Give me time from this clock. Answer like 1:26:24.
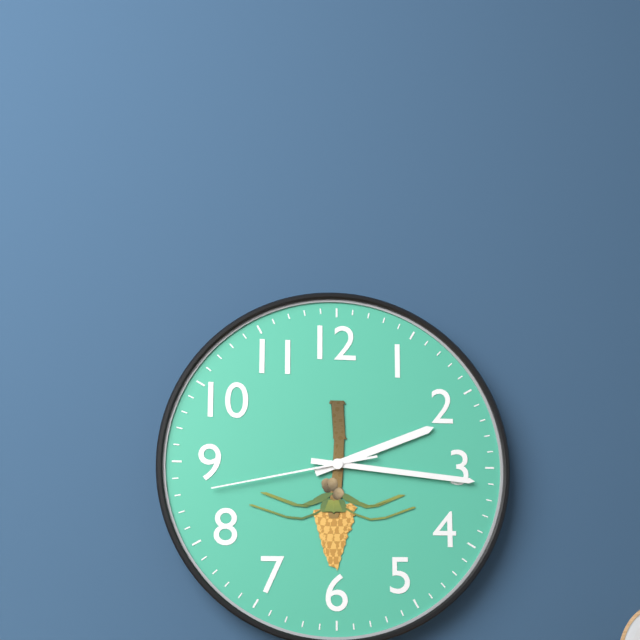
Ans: 2:16:43
